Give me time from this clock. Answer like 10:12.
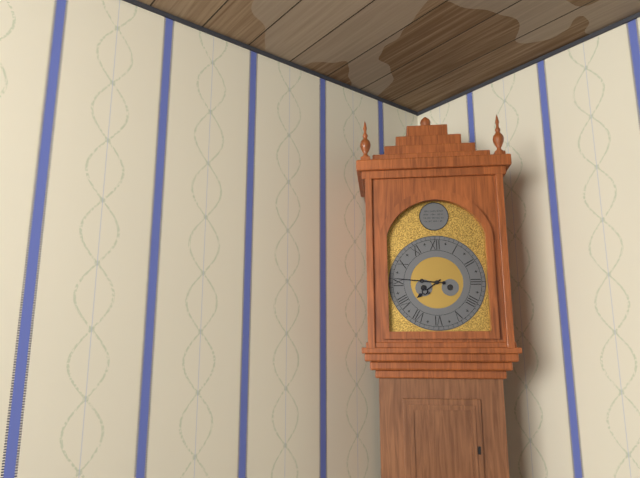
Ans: 7:46
